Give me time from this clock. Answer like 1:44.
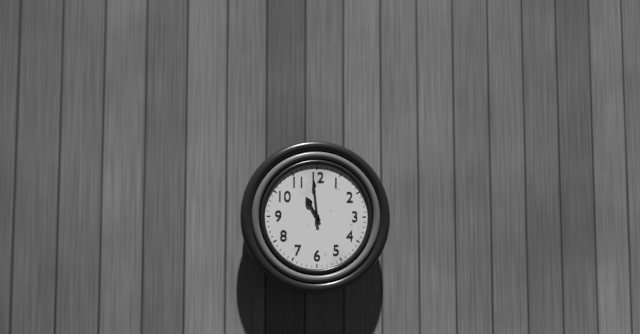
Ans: 10:59
